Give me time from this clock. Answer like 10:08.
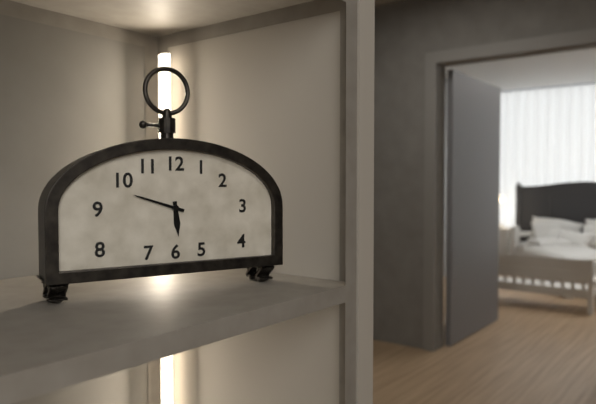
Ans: 5:48
